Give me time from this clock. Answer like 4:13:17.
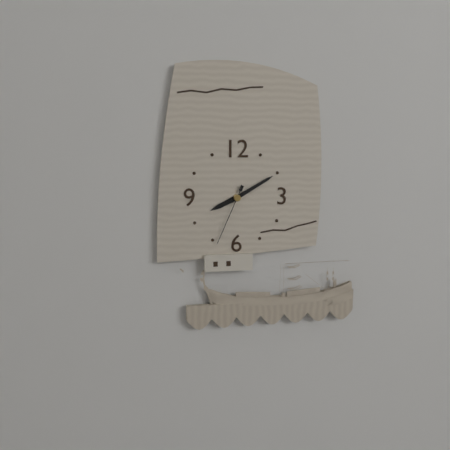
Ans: 8:10:34
